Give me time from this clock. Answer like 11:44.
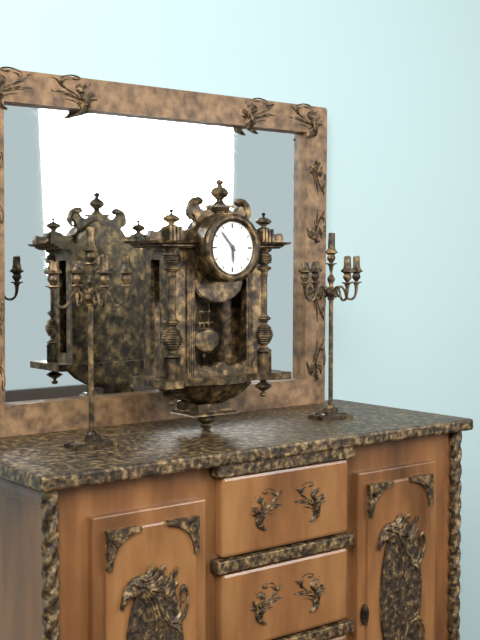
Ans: 5:53
